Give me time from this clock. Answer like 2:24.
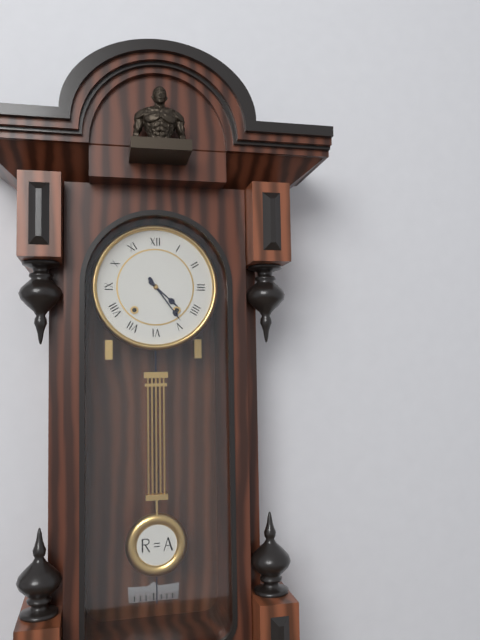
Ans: 4:24
